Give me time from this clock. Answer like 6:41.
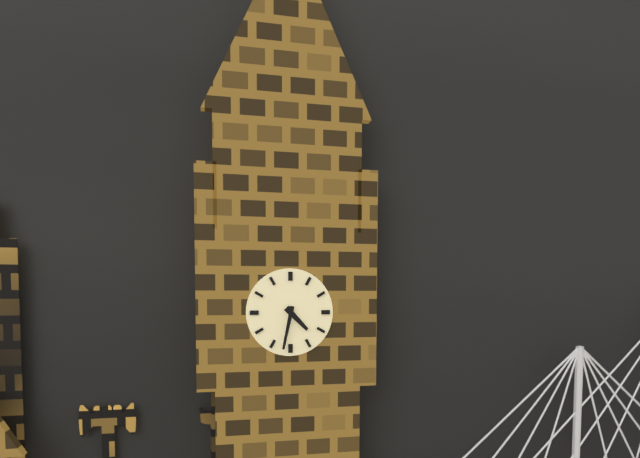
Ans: 4:32
